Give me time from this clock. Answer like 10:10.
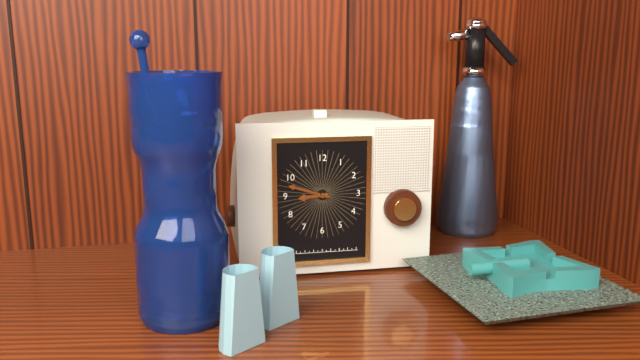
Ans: 8:48
